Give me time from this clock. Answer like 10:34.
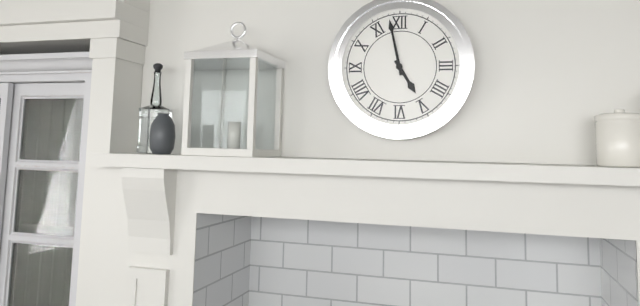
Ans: 4:58
